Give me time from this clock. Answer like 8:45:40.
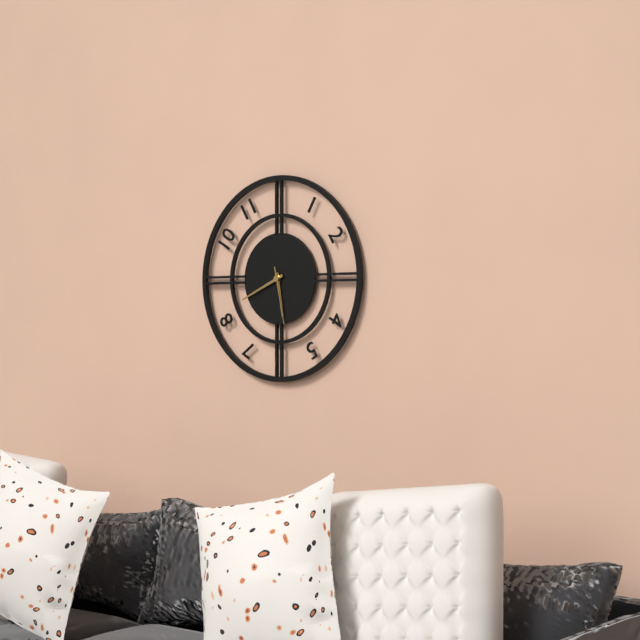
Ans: 5:41:28
